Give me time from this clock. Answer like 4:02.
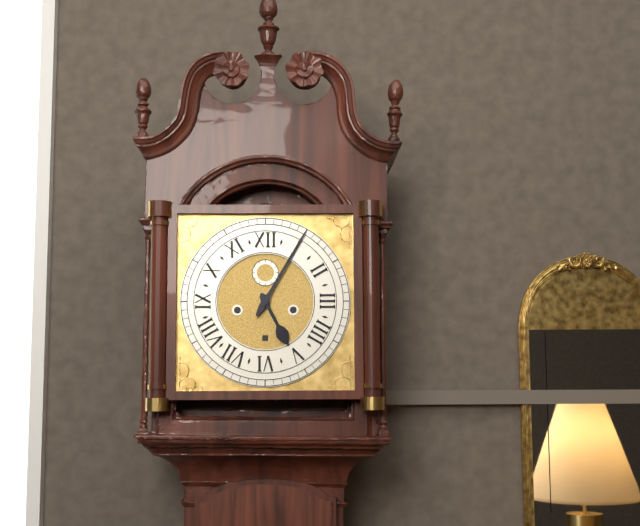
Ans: 5:05
